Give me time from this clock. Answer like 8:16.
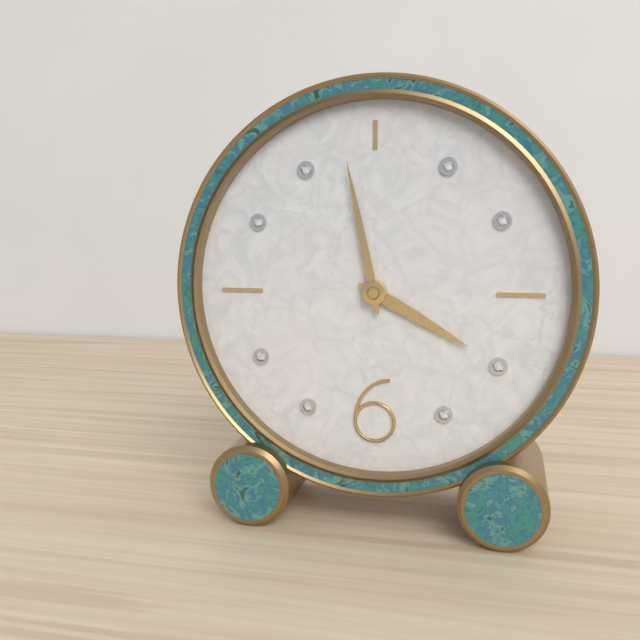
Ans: 3:58
